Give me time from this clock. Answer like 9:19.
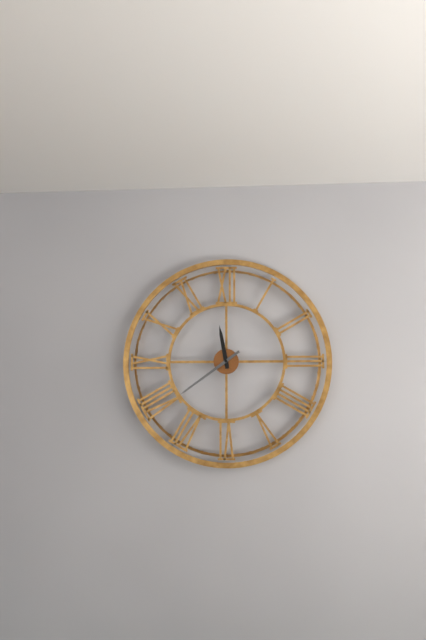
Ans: 11:39
